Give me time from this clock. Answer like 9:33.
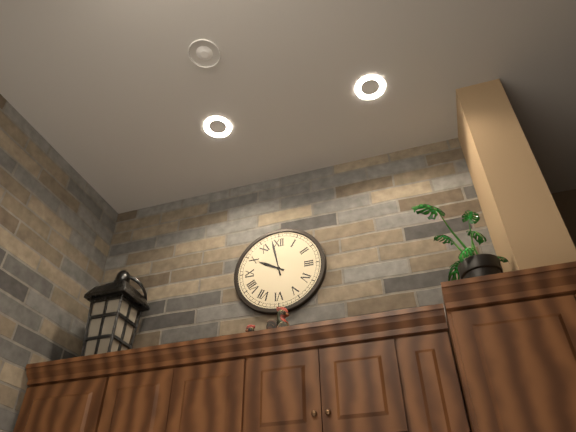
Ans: 9:58
